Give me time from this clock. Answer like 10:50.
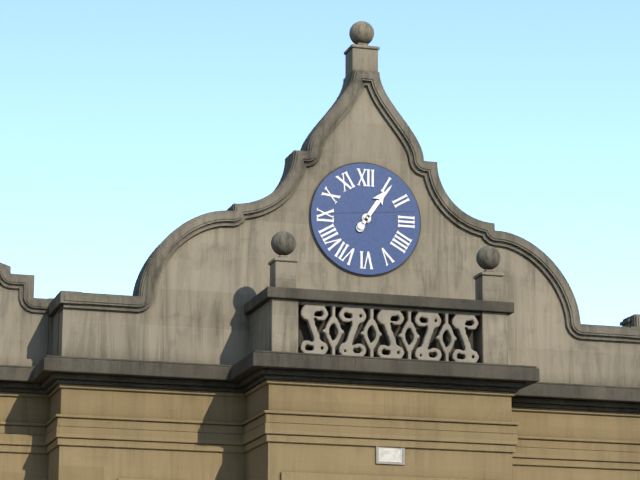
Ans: 1:06
